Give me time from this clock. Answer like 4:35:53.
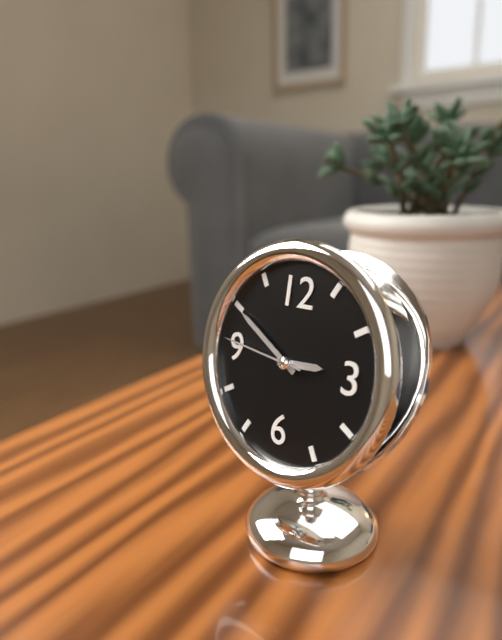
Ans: 2:50:46
